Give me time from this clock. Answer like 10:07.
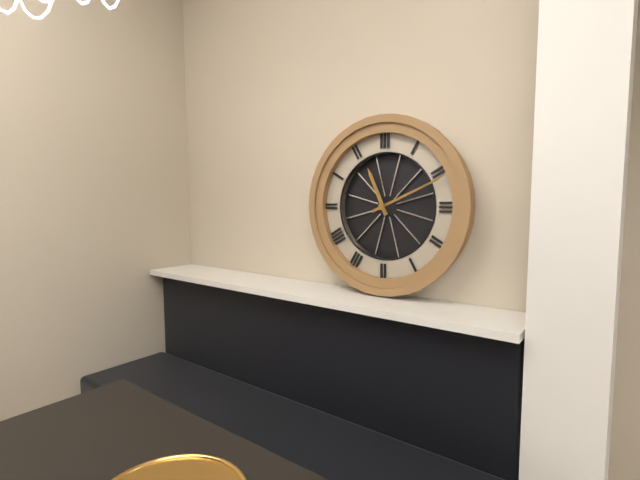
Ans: 11:11
